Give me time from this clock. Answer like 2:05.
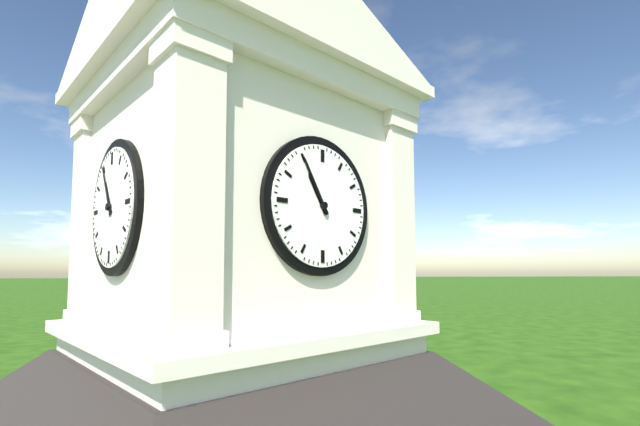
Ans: 10:55
